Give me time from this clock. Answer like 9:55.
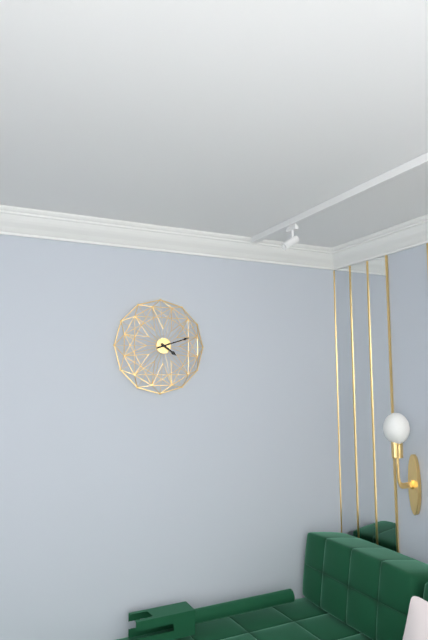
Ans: 4:12
